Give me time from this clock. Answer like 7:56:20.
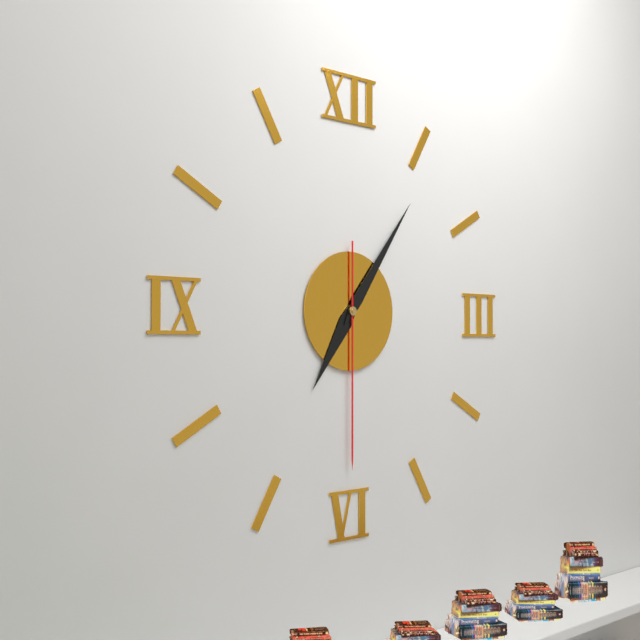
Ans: 7:06:30
